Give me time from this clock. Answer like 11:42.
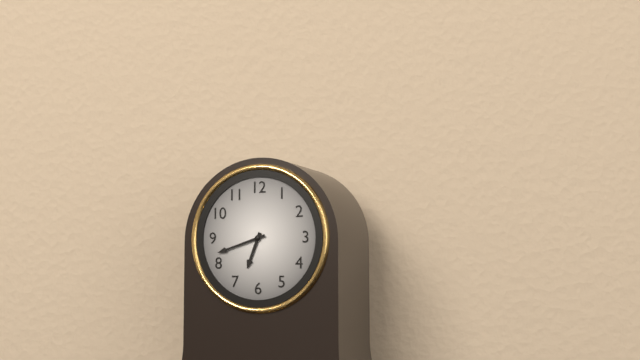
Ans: 6:42
